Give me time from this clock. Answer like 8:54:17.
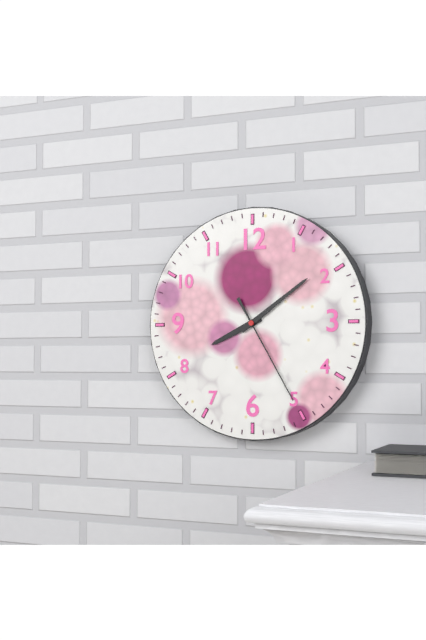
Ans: 8:09:25
